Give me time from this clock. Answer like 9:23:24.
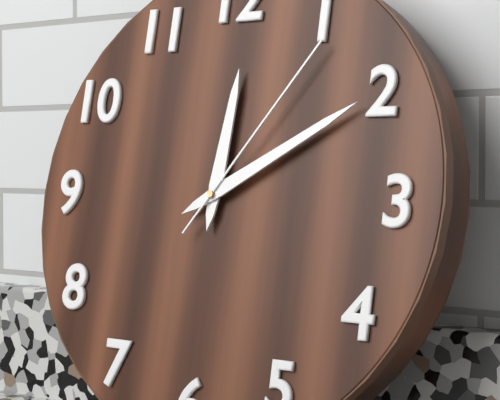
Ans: 12:10:06
